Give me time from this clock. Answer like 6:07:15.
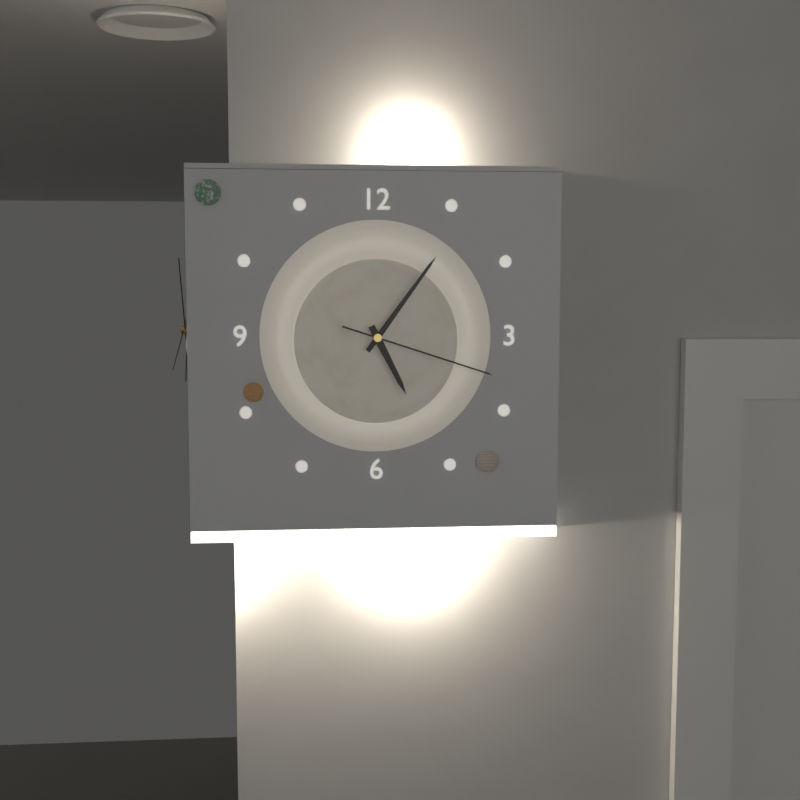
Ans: 5:06:18
